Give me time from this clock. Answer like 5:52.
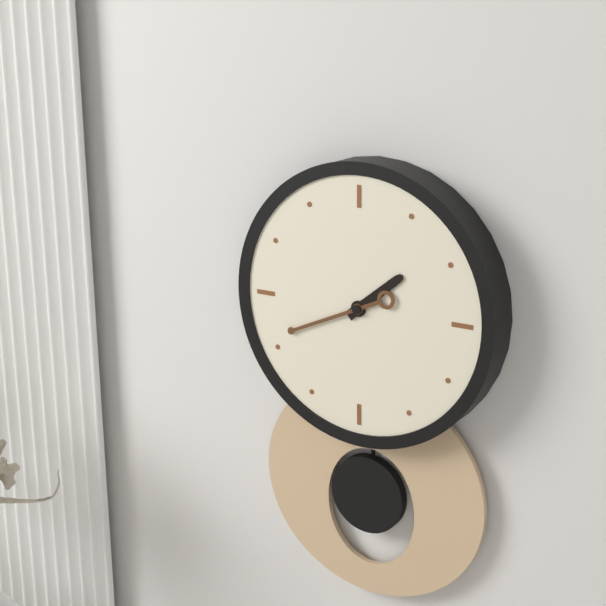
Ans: 1:41
